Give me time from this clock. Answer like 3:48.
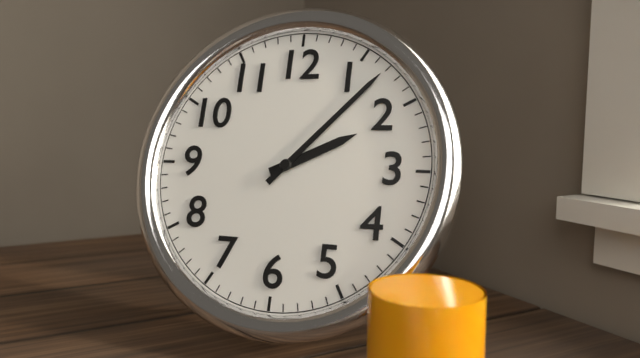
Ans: 2:07
